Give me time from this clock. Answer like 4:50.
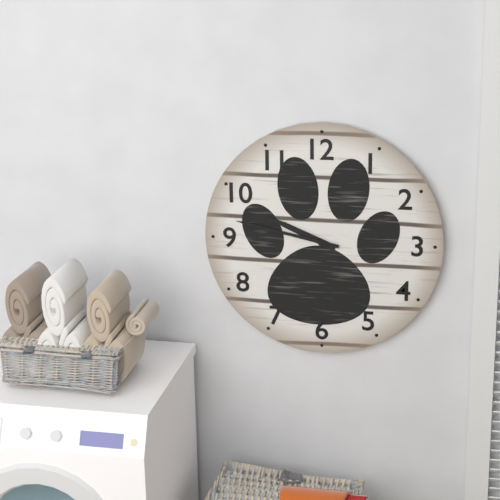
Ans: 9:47
